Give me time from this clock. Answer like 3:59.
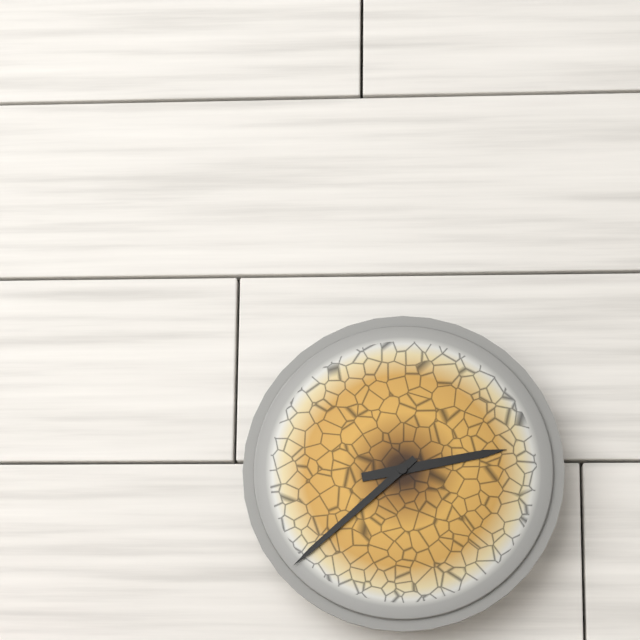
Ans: 2:38
